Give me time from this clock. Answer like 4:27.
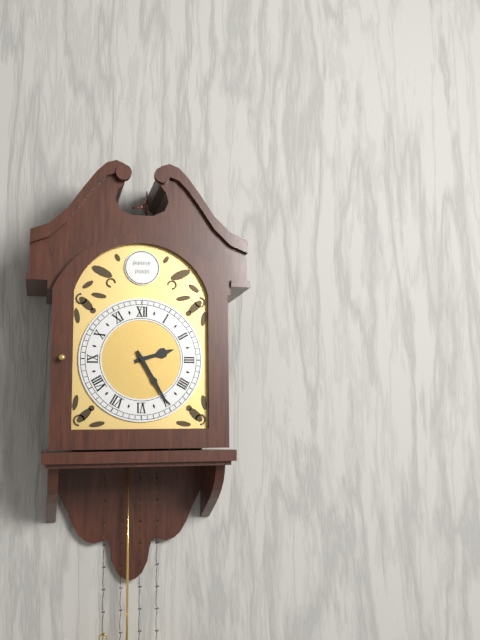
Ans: 2:25
